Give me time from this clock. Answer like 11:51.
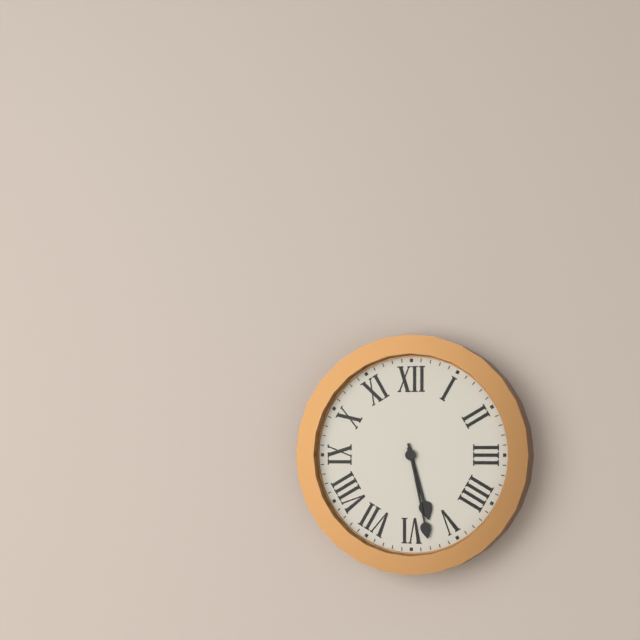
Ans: 5:28
